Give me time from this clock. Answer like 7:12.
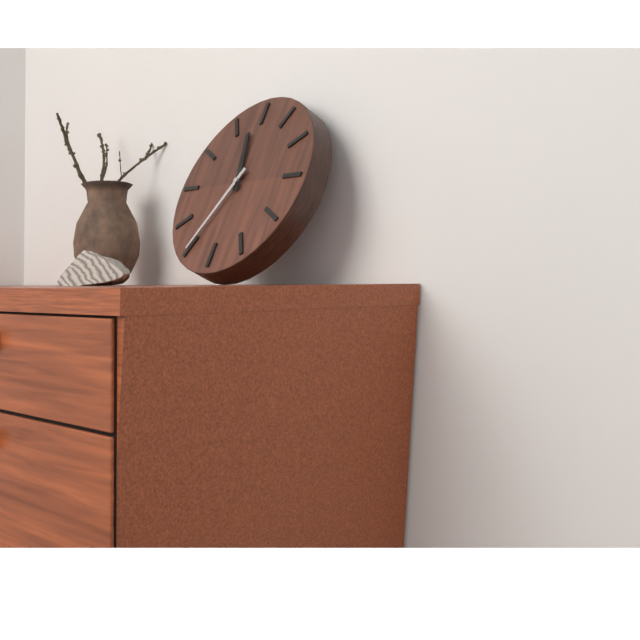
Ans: 11:35
